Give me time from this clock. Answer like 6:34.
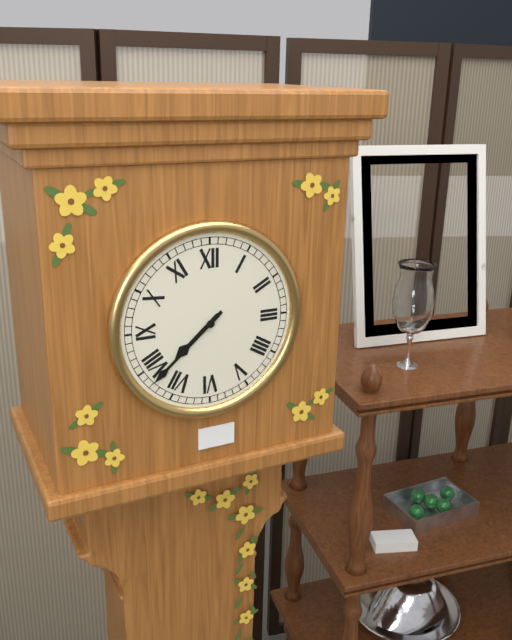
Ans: 7:38
